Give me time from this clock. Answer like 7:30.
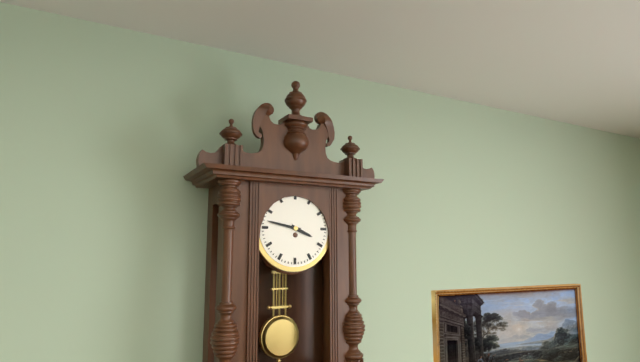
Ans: 3:47
